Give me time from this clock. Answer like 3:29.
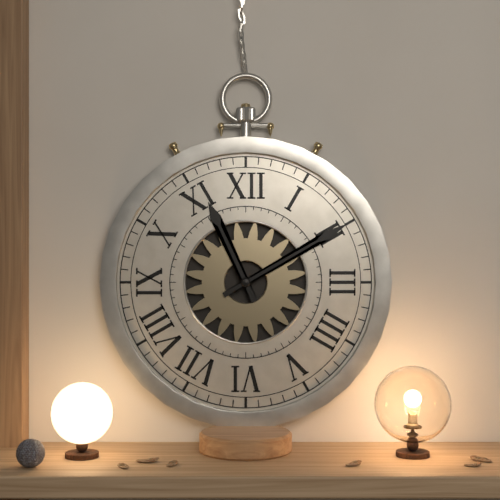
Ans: 11:10
